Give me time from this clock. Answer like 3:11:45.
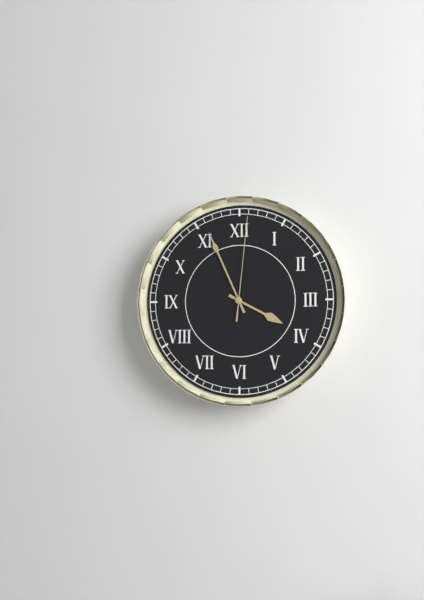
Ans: 3:56:01
